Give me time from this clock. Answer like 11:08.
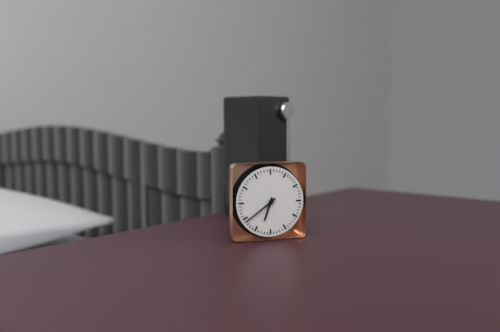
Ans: 6:39
